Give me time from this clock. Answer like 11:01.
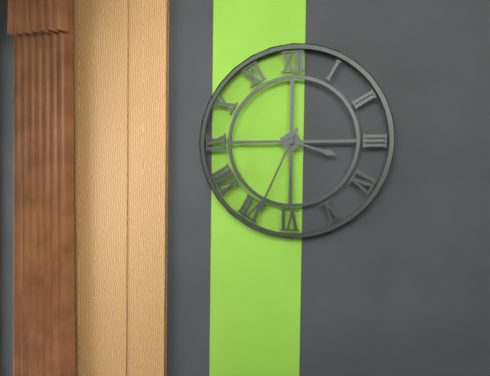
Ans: 3:34
